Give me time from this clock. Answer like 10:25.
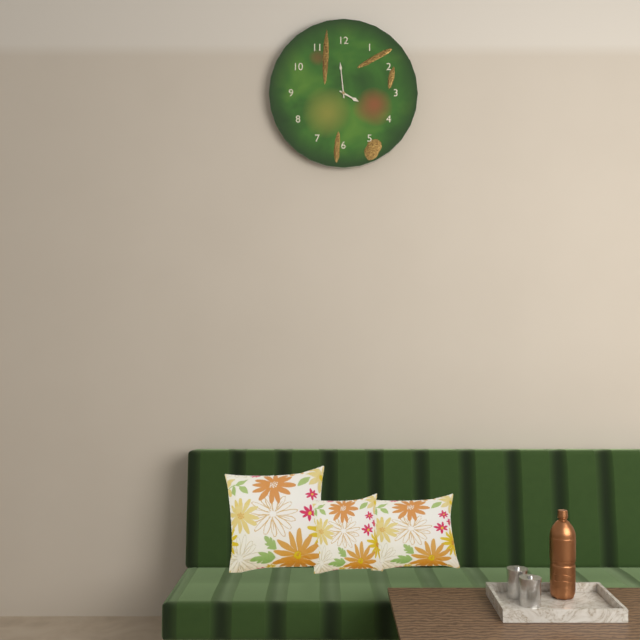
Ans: 3:59
